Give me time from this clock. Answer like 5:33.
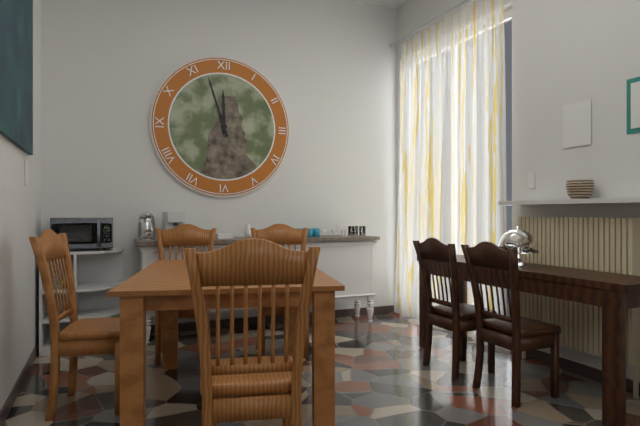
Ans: 11:57
